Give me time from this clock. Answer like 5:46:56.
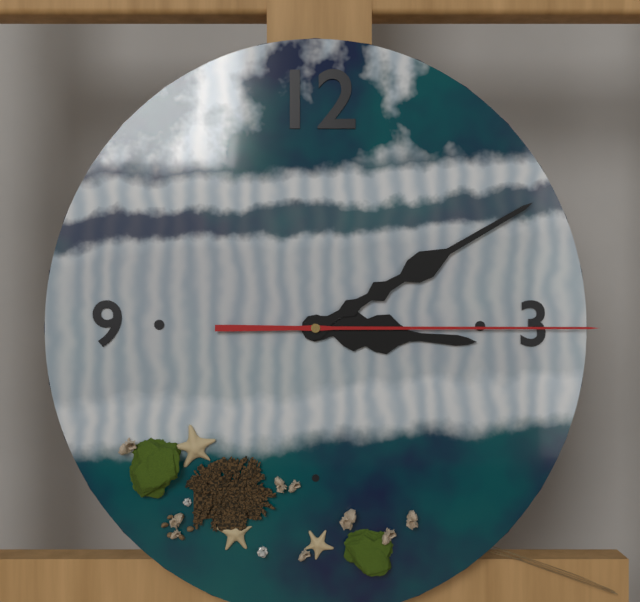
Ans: 3:10:15
